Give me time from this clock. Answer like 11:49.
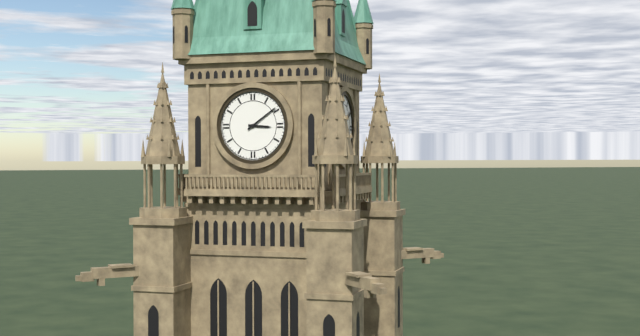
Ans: 3:09
